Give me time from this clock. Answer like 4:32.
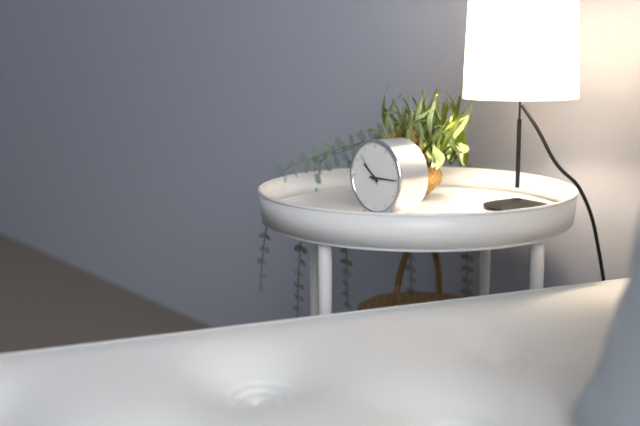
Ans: 10:15
